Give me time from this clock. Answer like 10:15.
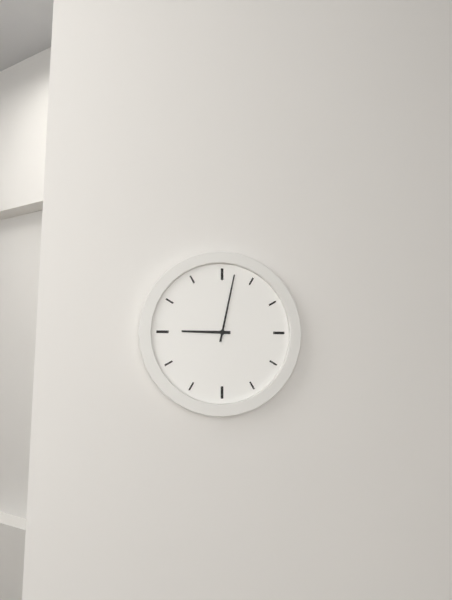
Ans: 9:02
